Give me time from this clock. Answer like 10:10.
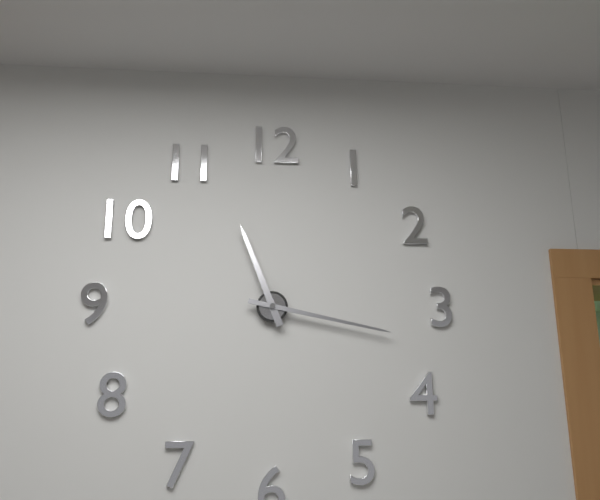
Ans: 11:17
